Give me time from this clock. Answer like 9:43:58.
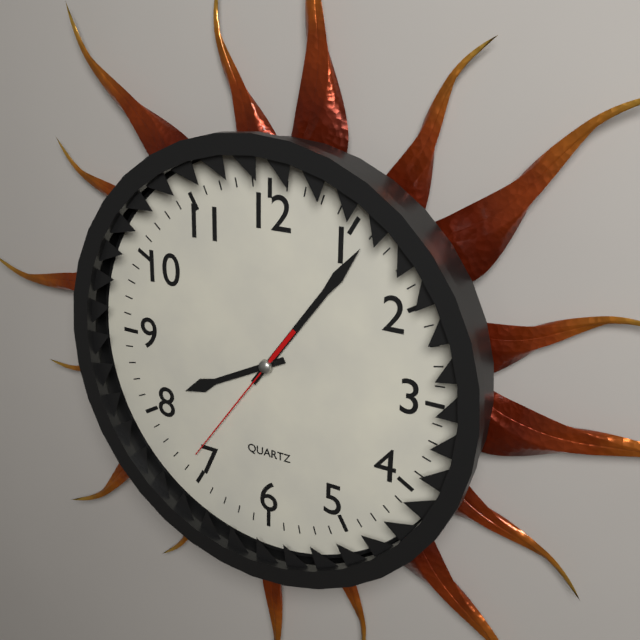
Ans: 8:06:36
